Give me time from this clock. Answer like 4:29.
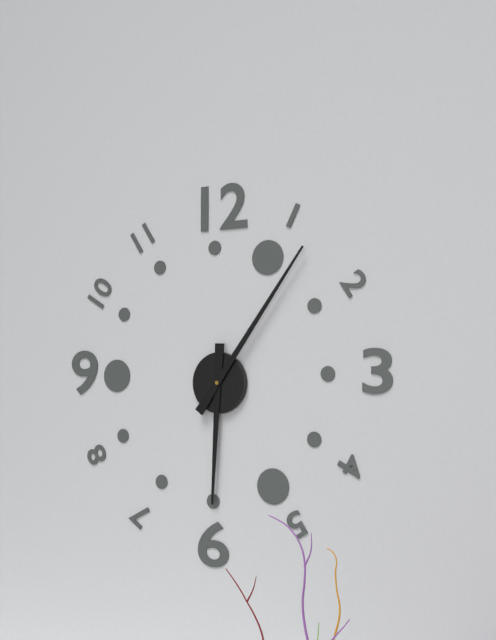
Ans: 6:06
